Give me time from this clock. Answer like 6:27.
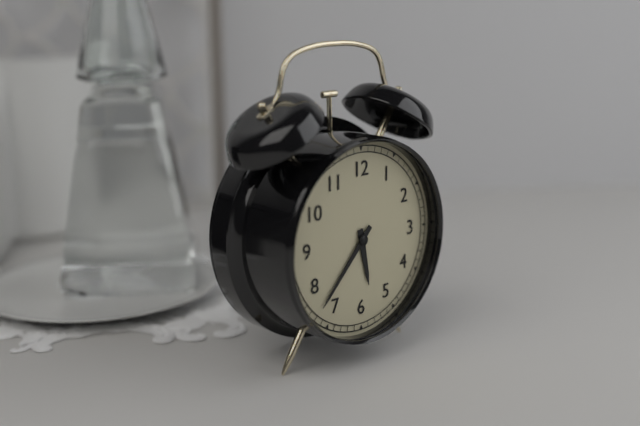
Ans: 5:37
